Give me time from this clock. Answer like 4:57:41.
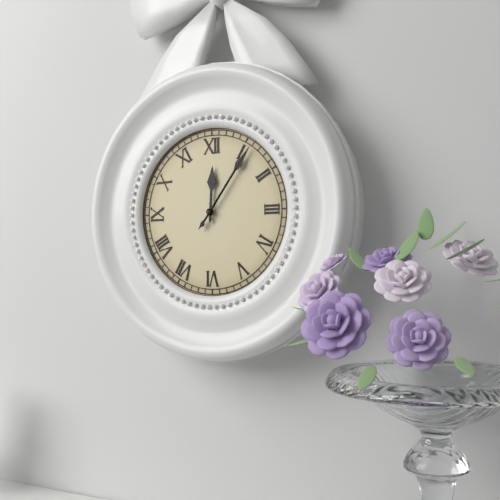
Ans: 12:06:06
